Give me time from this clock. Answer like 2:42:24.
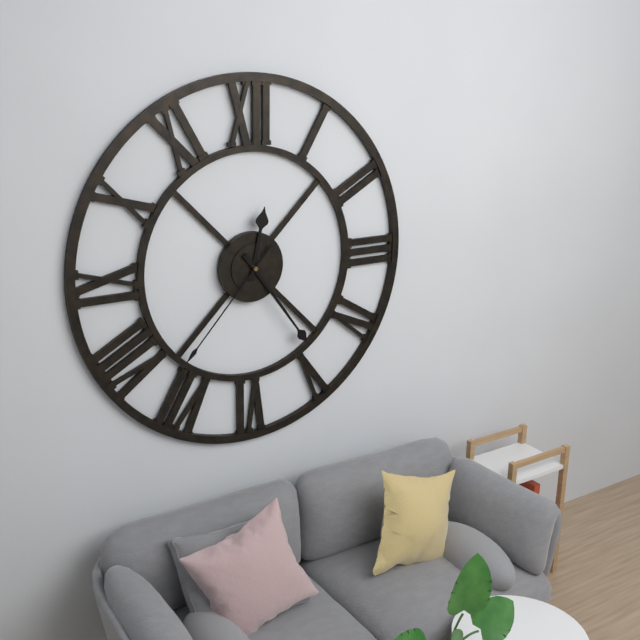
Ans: 12:24:37
